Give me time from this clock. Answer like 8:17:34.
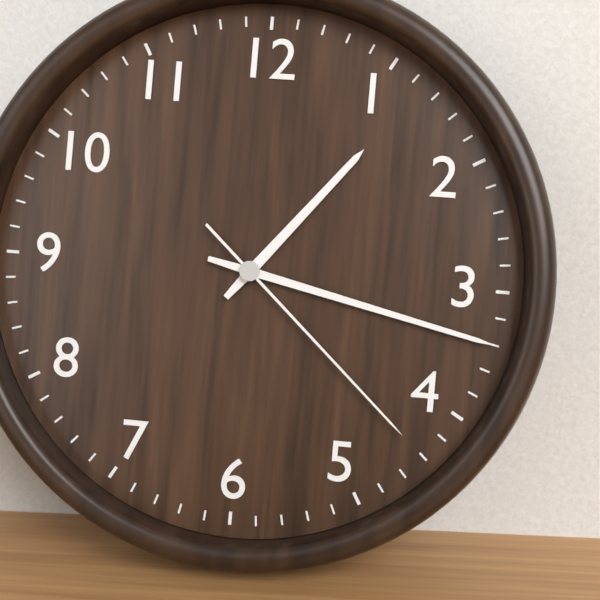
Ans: 1:17:22
